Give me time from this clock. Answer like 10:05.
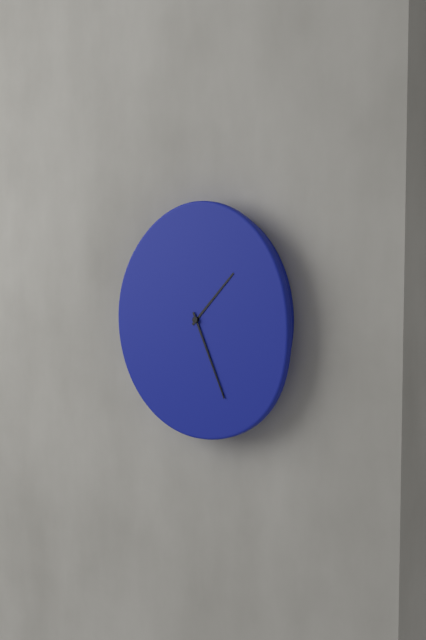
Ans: 1:26
